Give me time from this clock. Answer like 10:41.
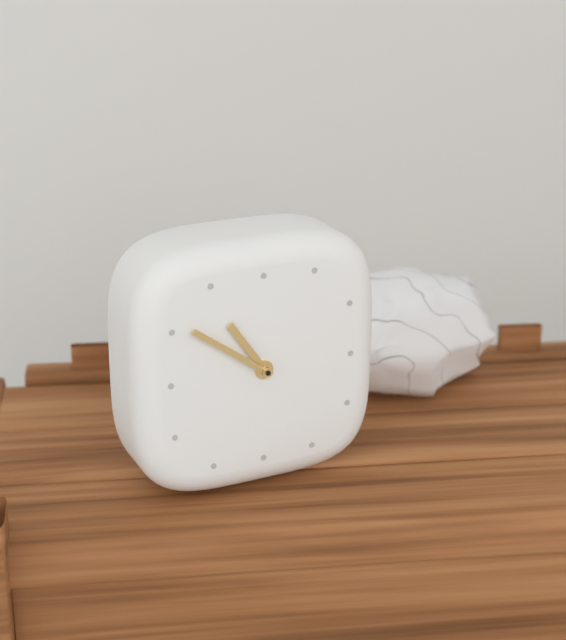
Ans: 10:51
